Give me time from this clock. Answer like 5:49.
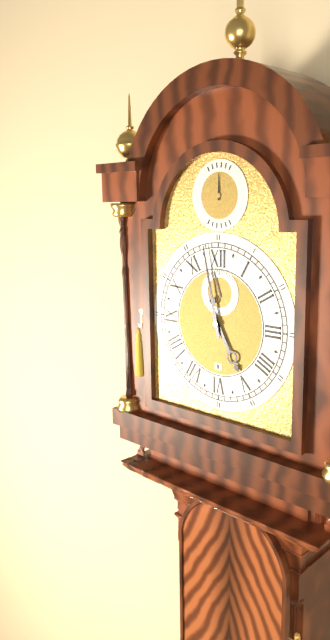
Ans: 4:58
